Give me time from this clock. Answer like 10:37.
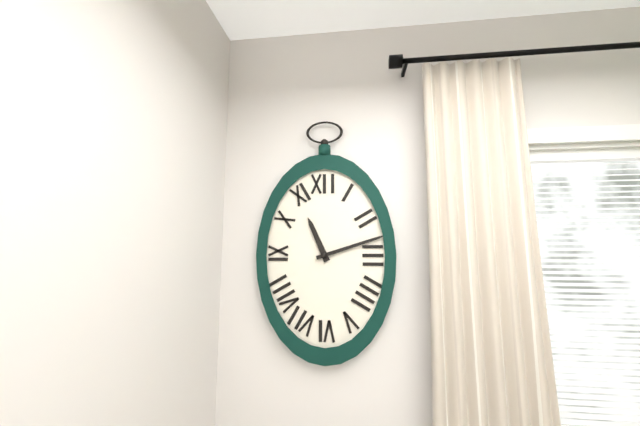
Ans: 11:12
